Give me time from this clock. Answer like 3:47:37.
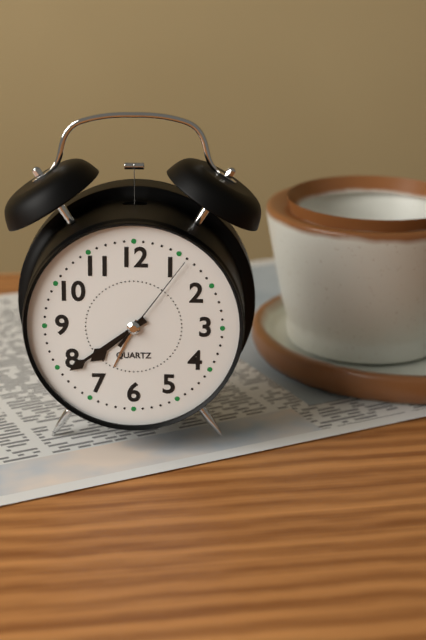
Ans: 7:39:06
